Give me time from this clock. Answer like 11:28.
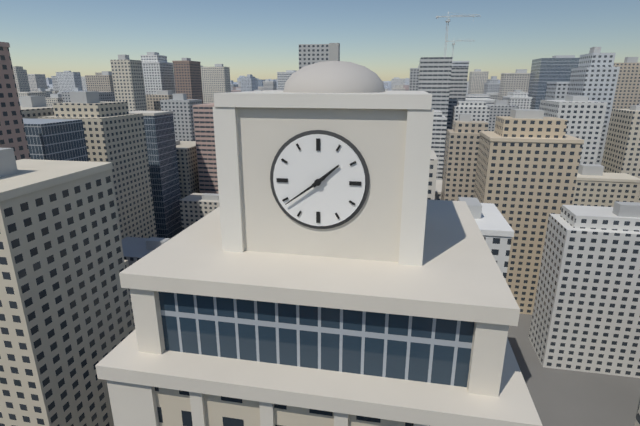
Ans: 1:39
